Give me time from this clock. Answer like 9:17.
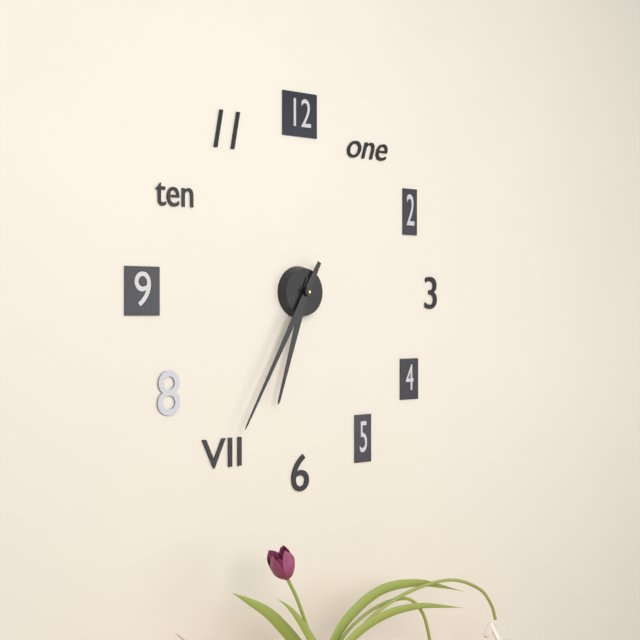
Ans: 6:35
